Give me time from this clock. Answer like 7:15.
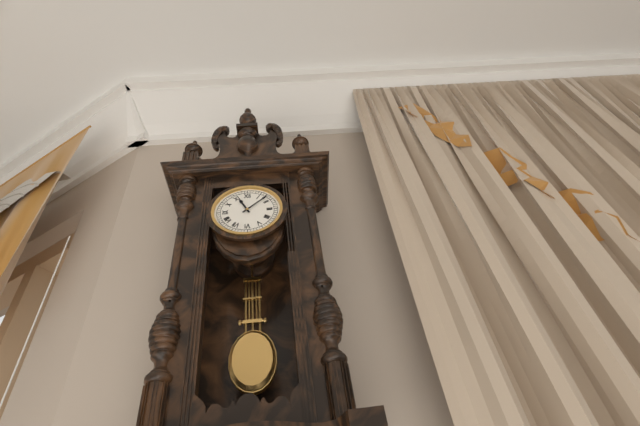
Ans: 11:08
